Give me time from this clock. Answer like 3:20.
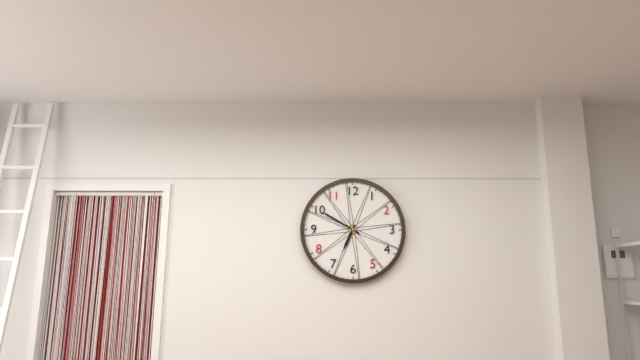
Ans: 6:50
